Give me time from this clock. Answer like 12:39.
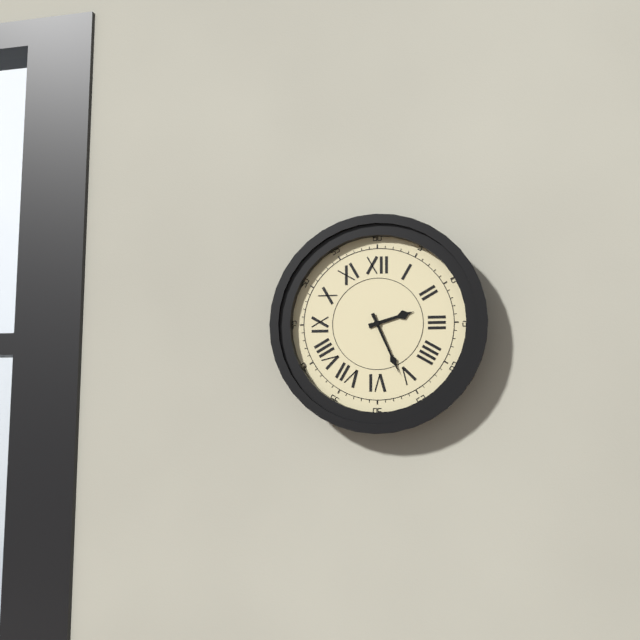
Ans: 2:26
